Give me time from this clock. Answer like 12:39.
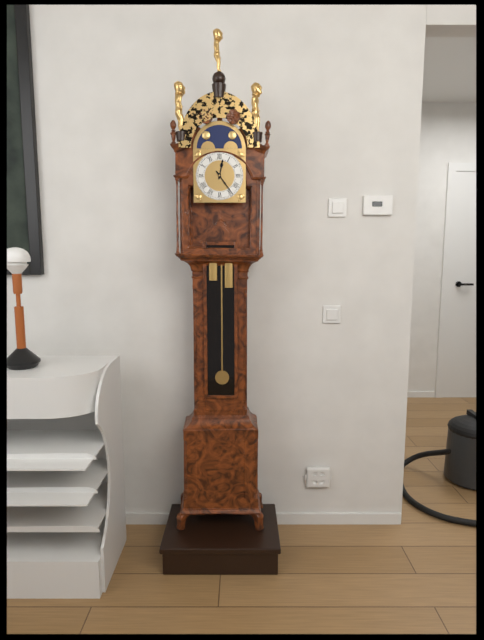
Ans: 12:24
